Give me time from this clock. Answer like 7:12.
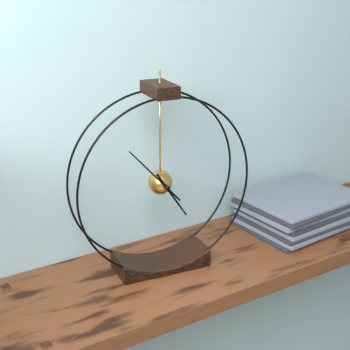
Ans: 4:53
